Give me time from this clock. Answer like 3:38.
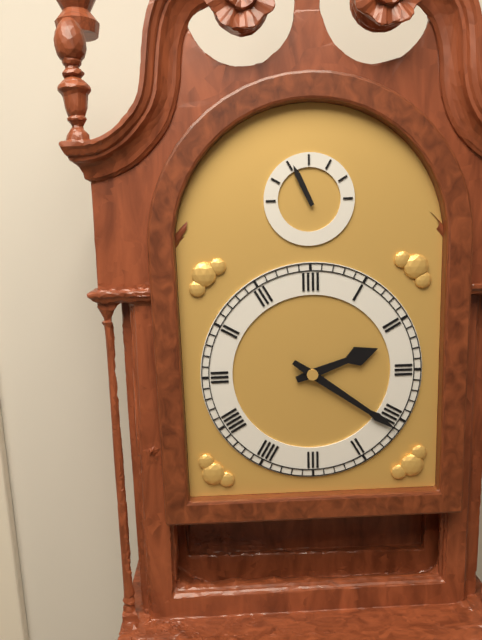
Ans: 2:21
